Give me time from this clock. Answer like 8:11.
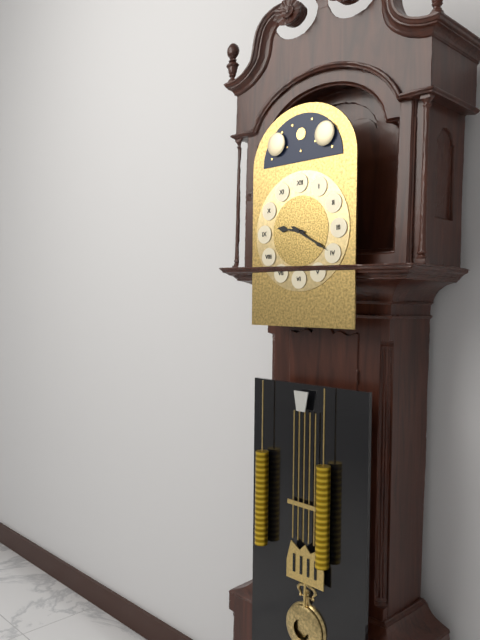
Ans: 9:20
